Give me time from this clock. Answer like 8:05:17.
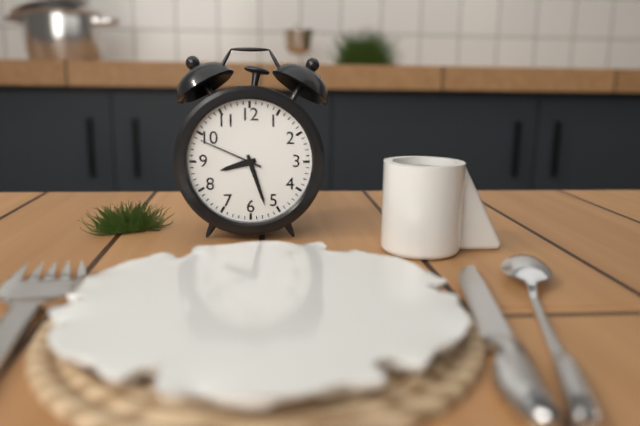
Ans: 8:27:49
